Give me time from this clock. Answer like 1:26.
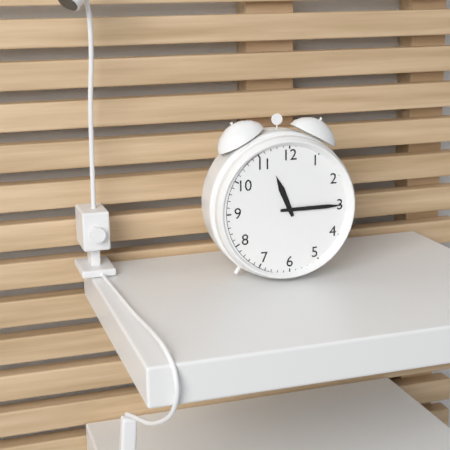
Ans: 11:15
